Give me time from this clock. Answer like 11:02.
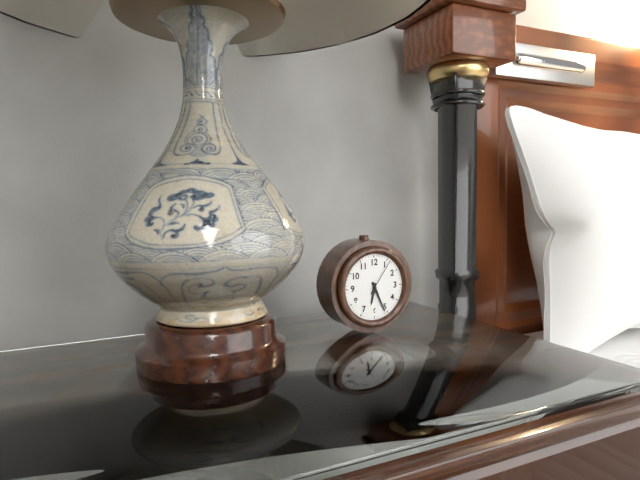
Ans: 6:26
